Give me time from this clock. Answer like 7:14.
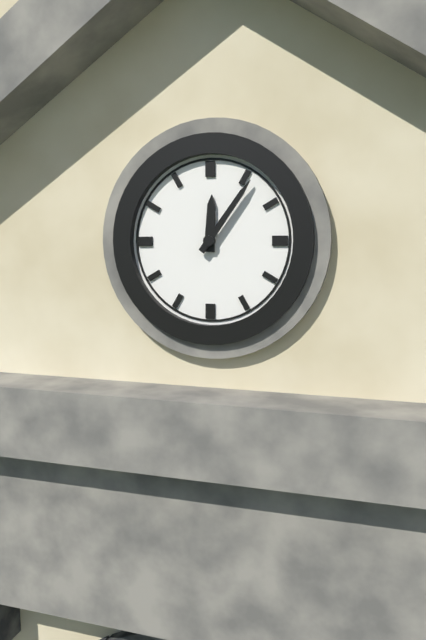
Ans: 12:06
